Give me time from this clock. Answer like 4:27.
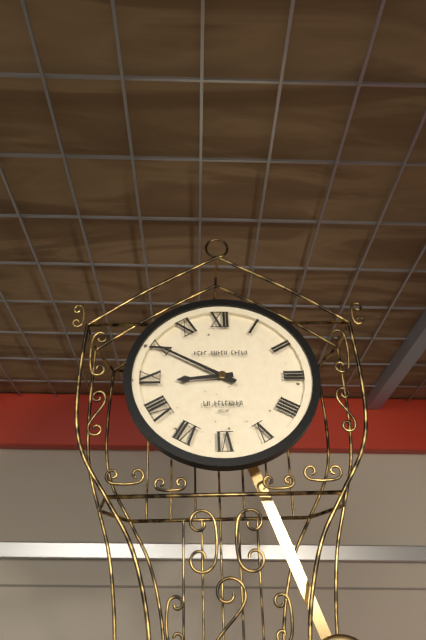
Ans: 8:50
